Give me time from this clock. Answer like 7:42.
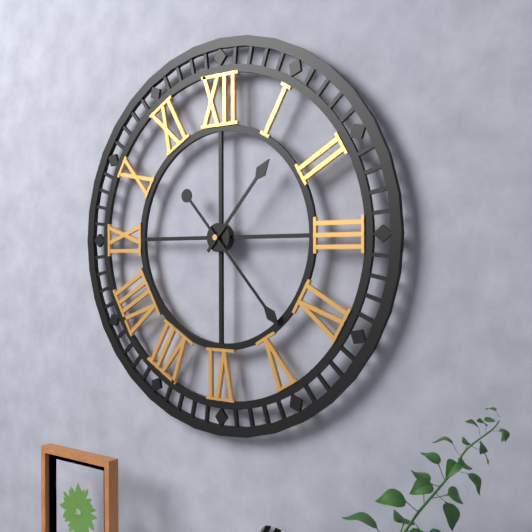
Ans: 1:23
